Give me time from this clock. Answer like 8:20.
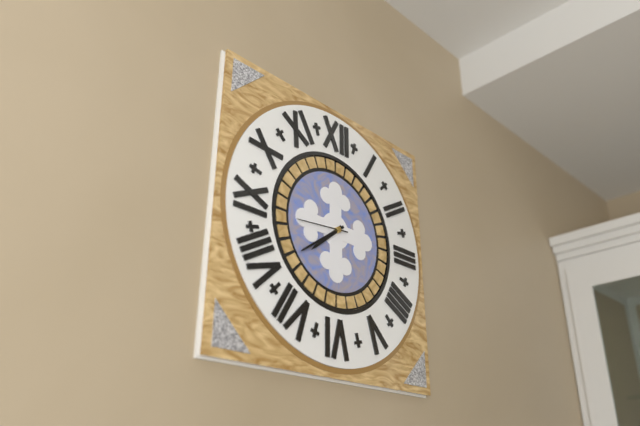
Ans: 7:39
